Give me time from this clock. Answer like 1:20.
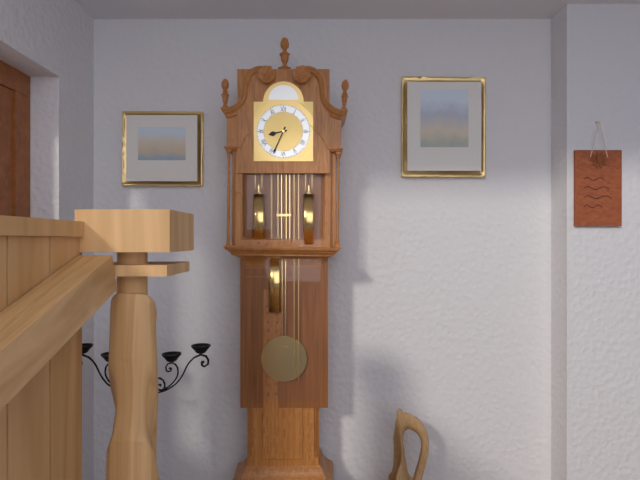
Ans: 8:34
